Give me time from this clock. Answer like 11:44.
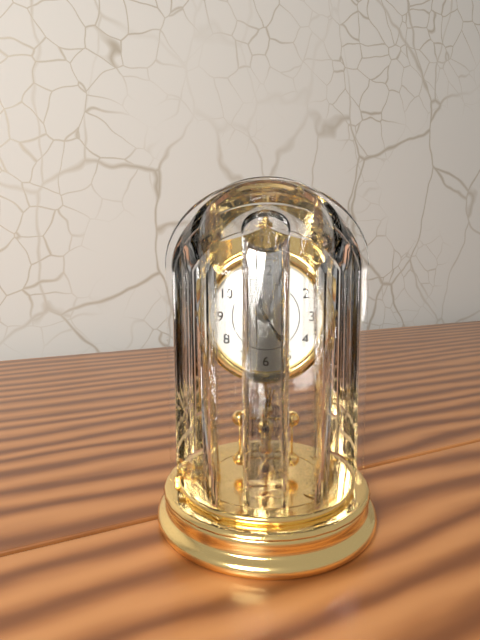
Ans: 4:55
